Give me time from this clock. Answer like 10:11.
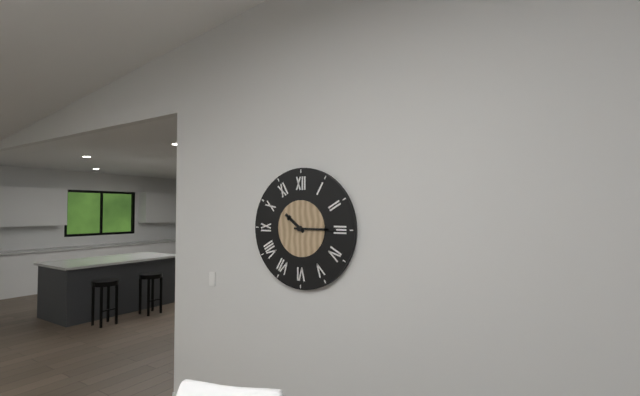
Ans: 10:15
